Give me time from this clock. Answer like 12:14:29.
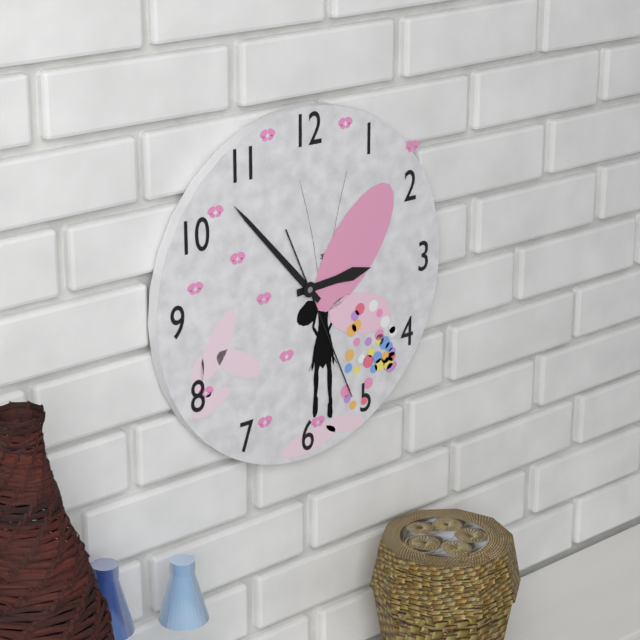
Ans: 2:53:26
